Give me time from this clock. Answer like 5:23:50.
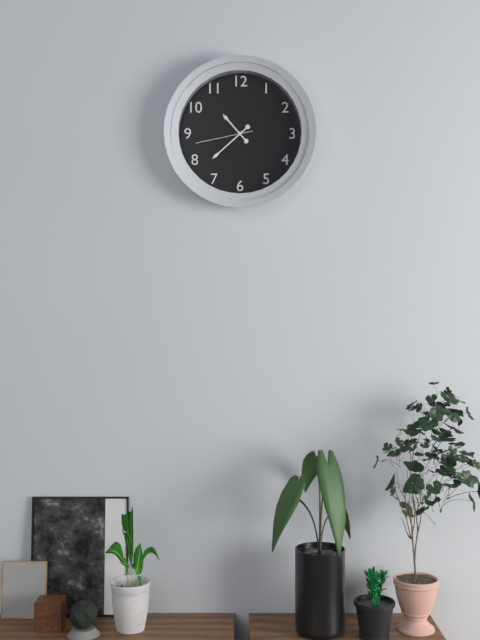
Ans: 10:38:43
